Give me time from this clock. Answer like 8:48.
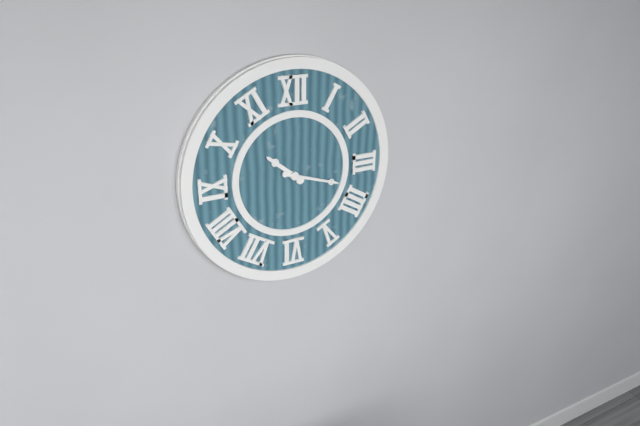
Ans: 10:18
